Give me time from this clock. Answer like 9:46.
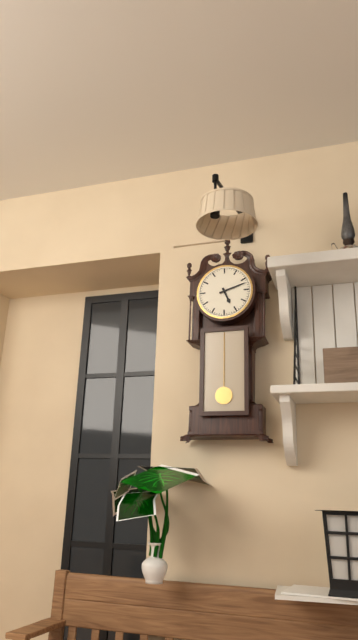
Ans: 5:12
